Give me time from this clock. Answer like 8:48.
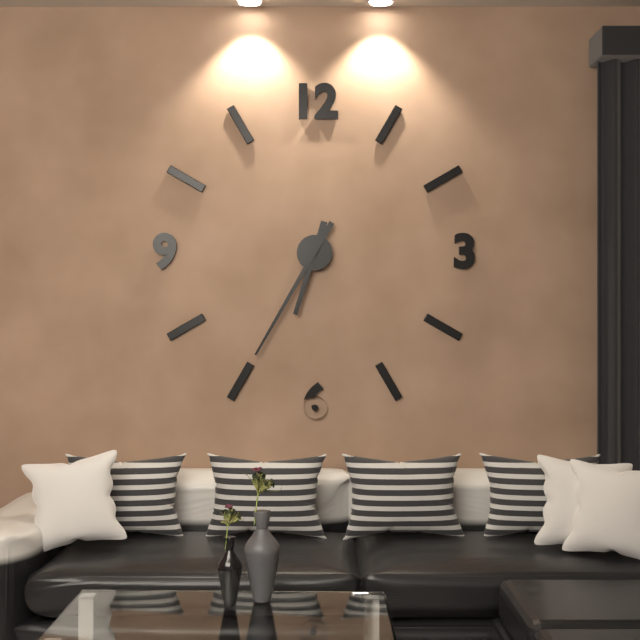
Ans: 6:35
